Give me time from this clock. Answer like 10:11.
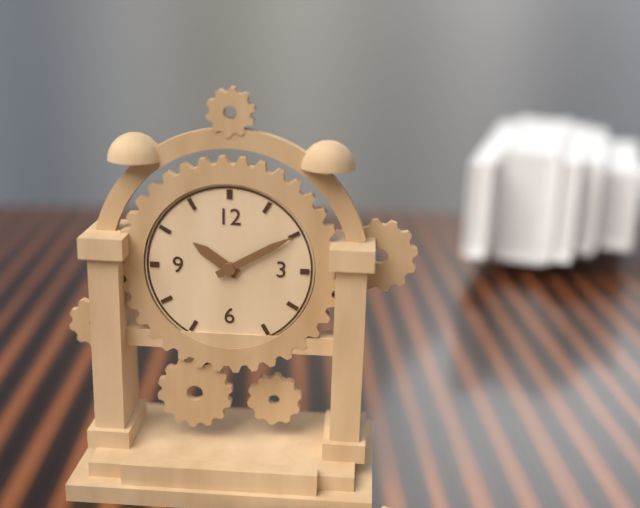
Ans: 10:10
